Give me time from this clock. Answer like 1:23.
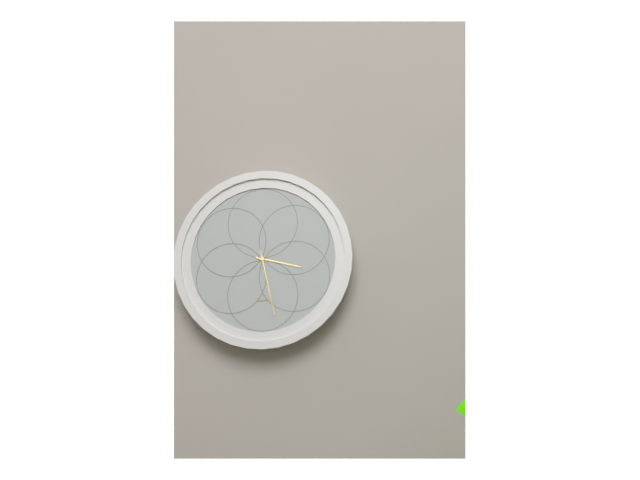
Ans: 3:28
